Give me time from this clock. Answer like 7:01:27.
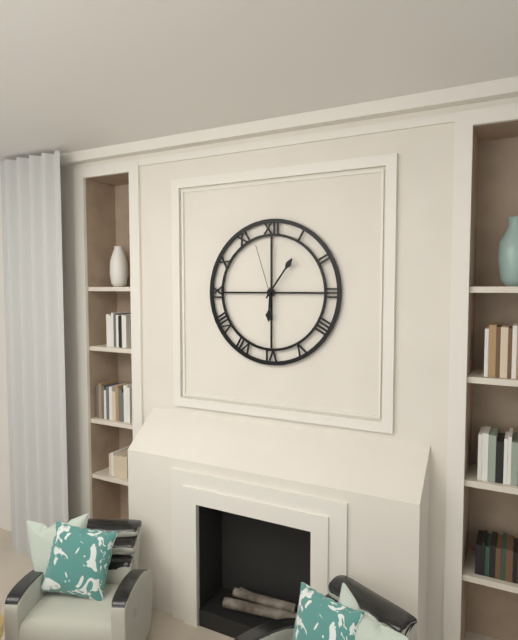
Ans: 6:06:57
